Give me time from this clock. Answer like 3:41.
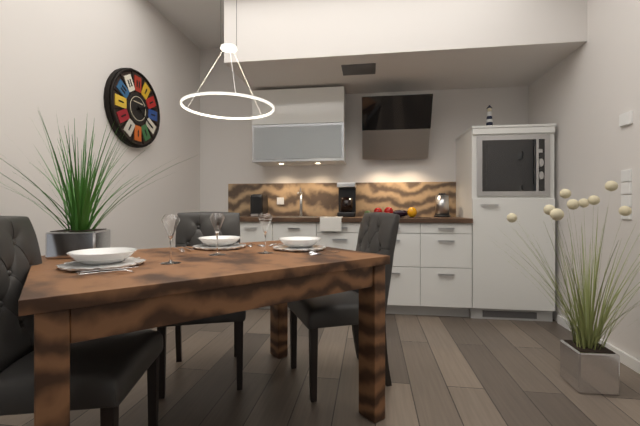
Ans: 2:21
